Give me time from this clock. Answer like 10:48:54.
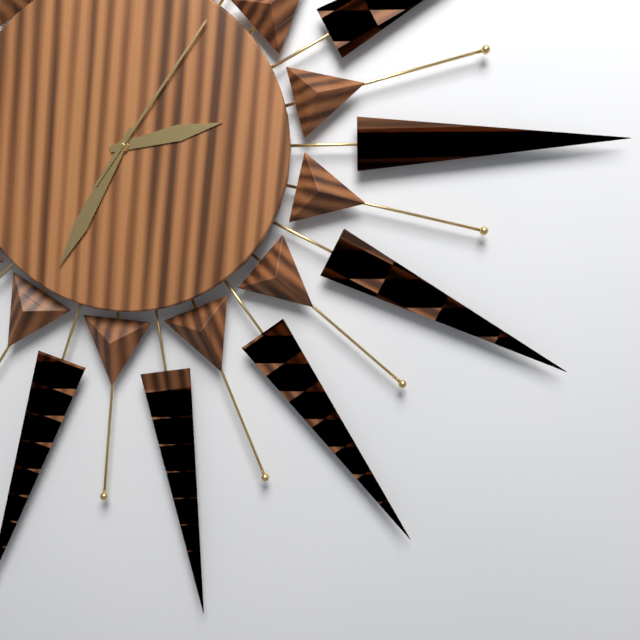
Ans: 2:35:06
